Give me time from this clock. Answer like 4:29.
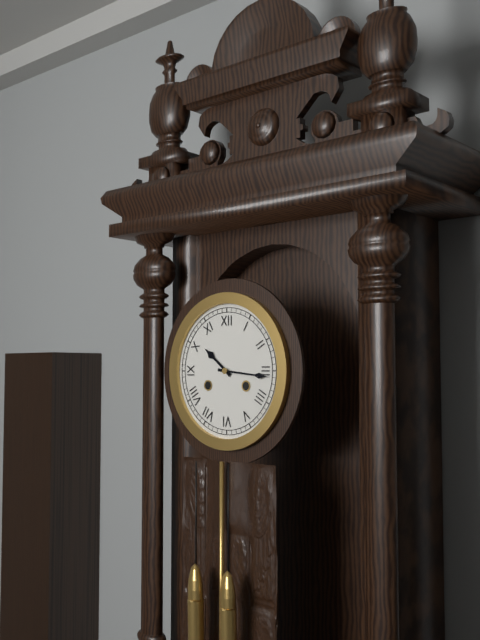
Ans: 10:16
